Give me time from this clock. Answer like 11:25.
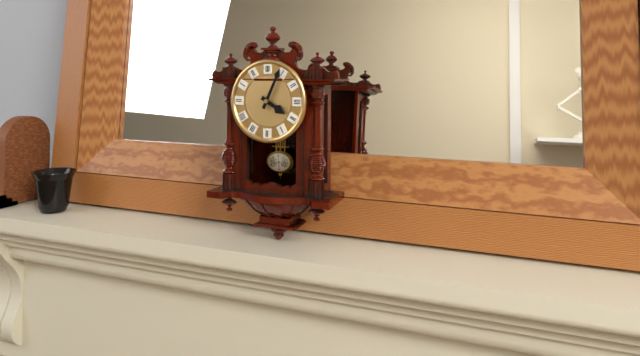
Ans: 4:04
